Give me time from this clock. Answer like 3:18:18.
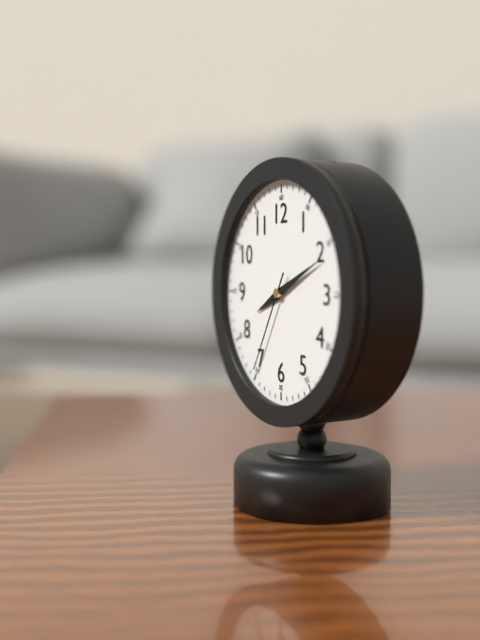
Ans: 8:11:35
